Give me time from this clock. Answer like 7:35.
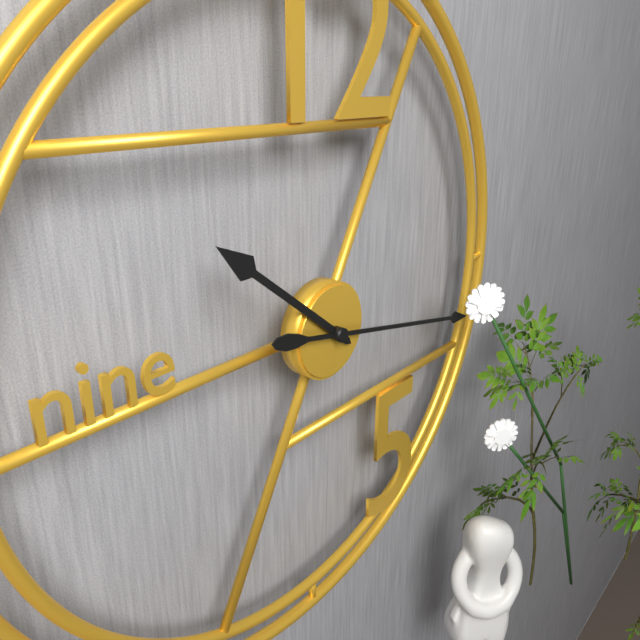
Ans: 10:17
